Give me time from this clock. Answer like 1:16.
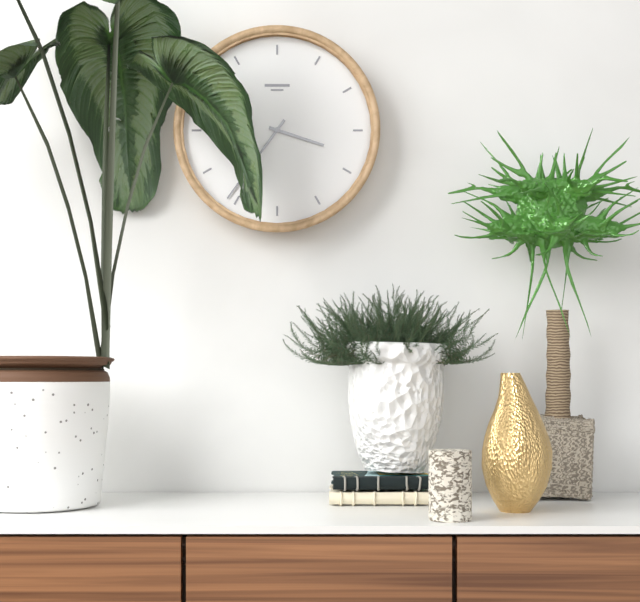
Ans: 3:36
